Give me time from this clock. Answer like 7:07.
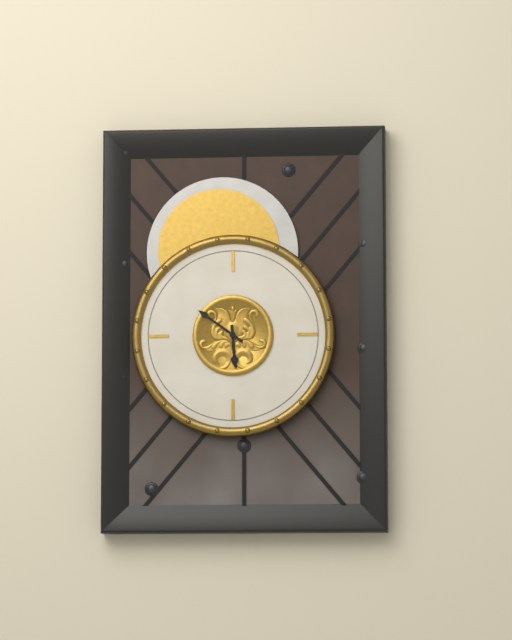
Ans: 5:51
